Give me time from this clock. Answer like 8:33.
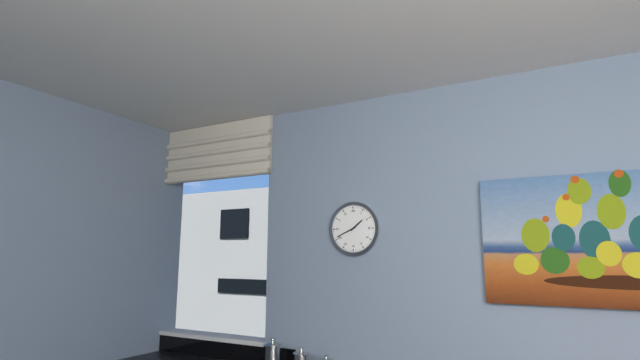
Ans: 1:41
